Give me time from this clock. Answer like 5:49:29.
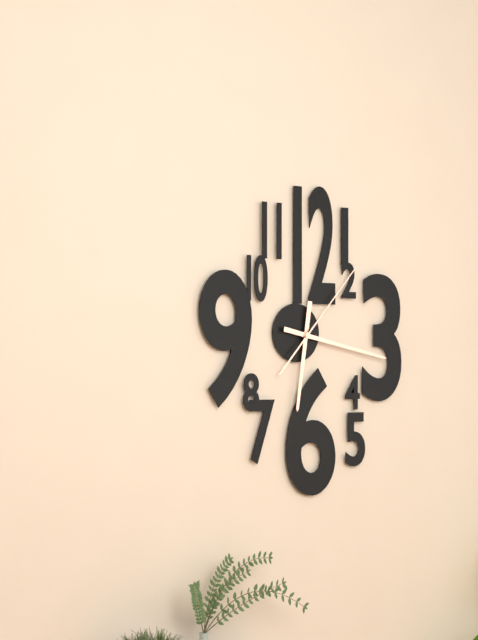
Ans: 6:17:07
